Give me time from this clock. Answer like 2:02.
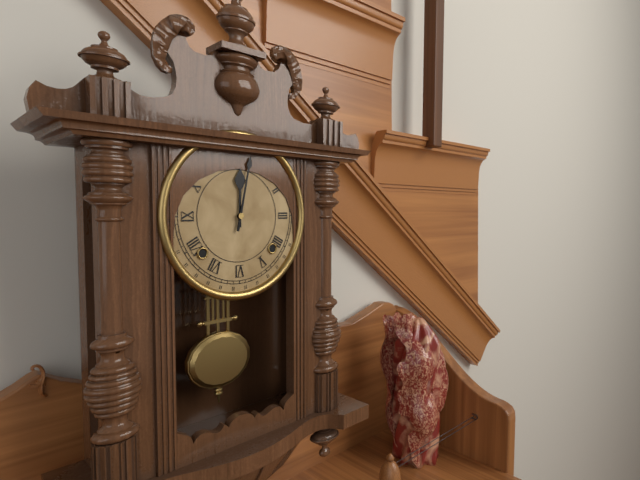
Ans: 12:02
